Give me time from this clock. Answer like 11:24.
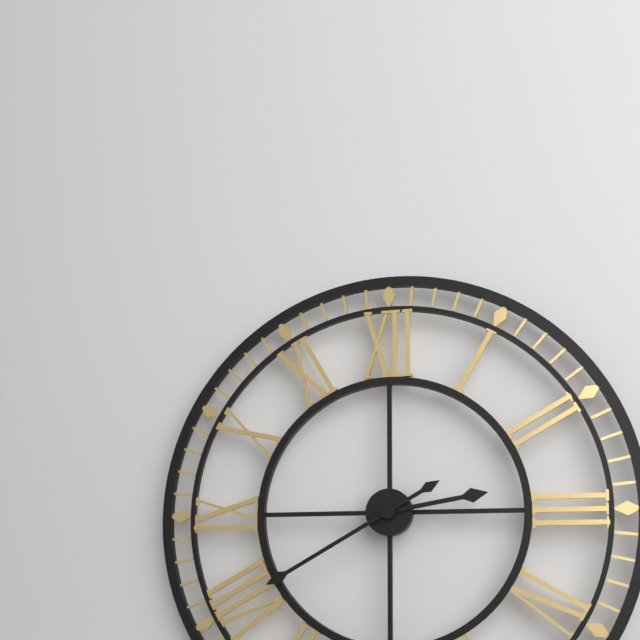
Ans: 2:40
